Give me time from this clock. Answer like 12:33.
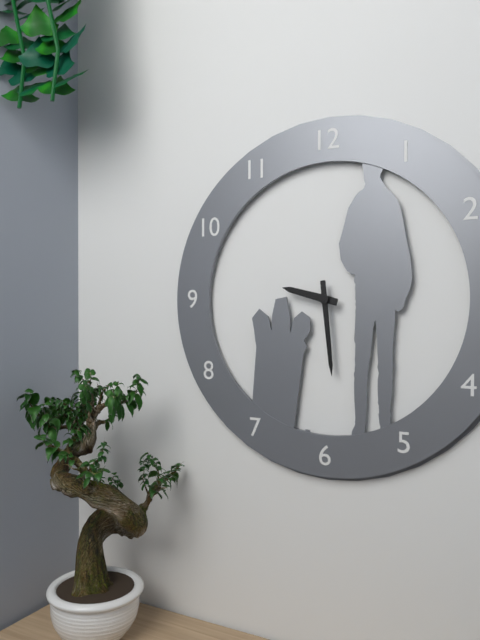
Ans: 9:29
